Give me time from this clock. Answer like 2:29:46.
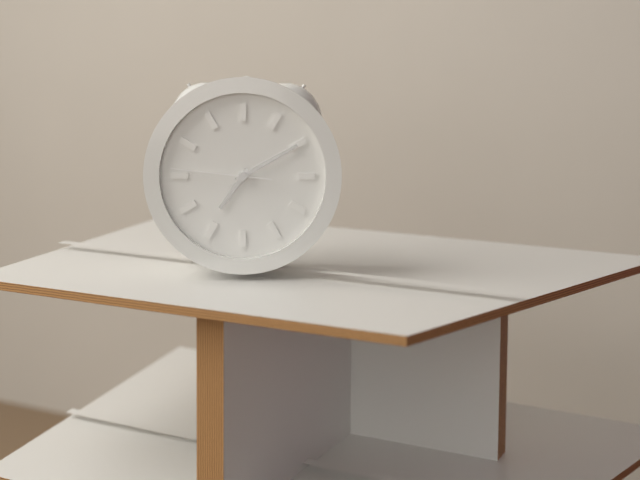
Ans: 7:10:46
